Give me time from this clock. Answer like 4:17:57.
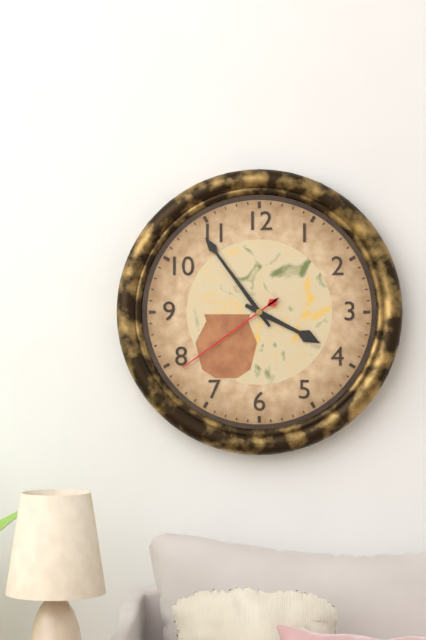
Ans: 3:54:39
